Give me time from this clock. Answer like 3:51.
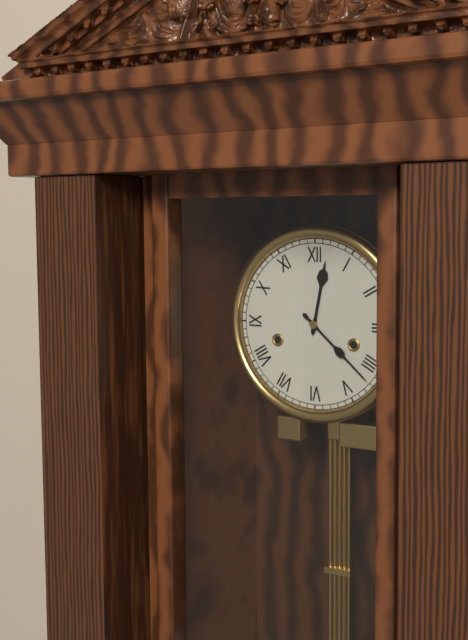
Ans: 12:22
